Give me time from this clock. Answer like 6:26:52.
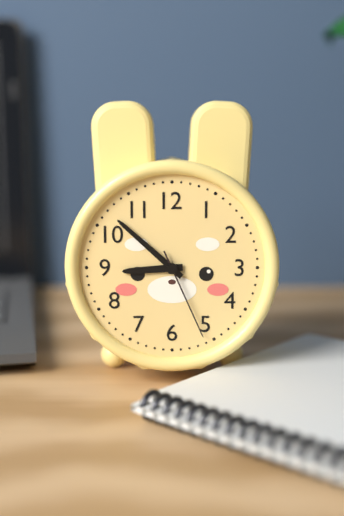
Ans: 8:52:26
